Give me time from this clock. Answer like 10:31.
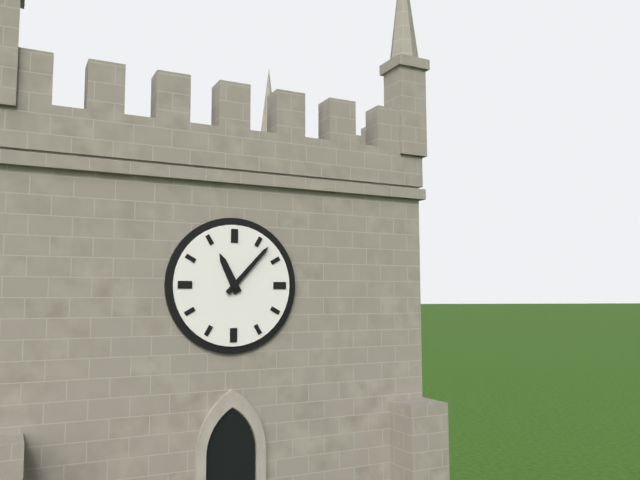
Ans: 11:07
